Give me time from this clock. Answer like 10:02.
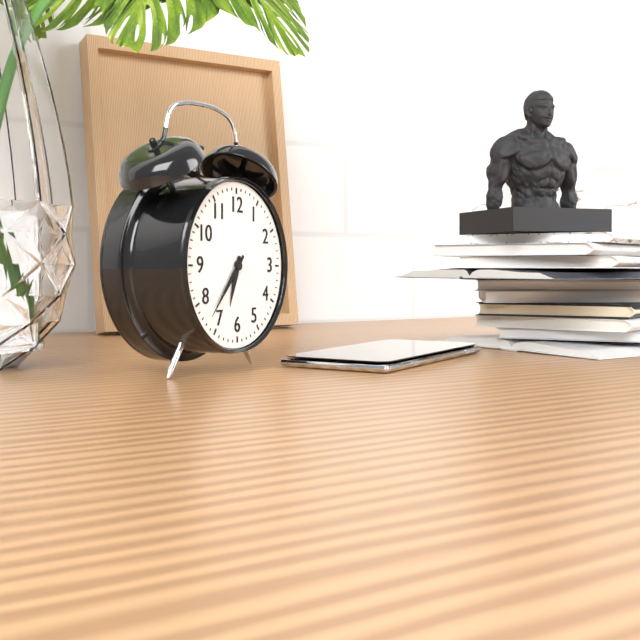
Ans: 6:37
